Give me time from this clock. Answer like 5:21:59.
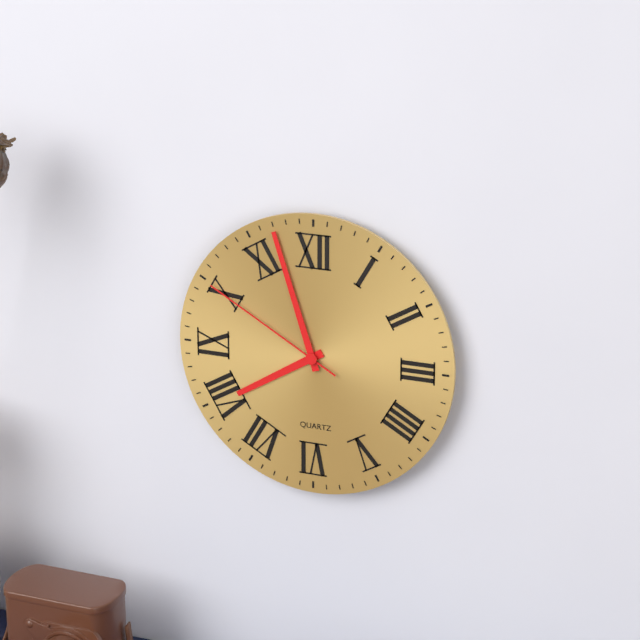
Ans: 7:57:50
